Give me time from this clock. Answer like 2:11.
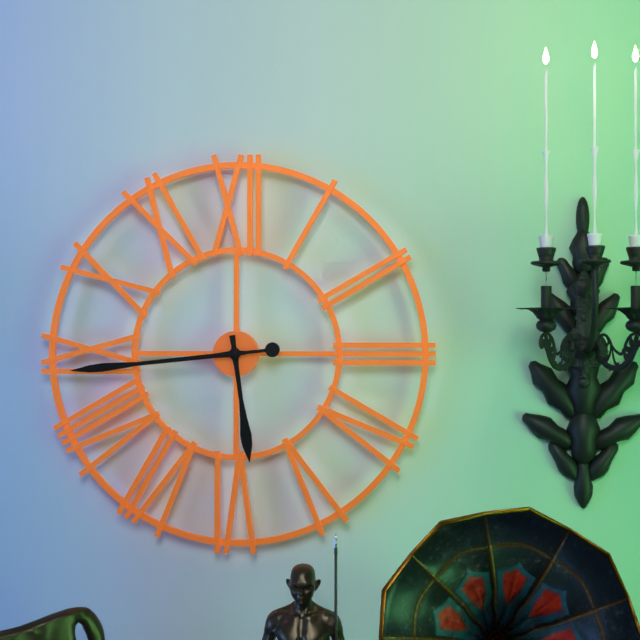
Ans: 5:44
